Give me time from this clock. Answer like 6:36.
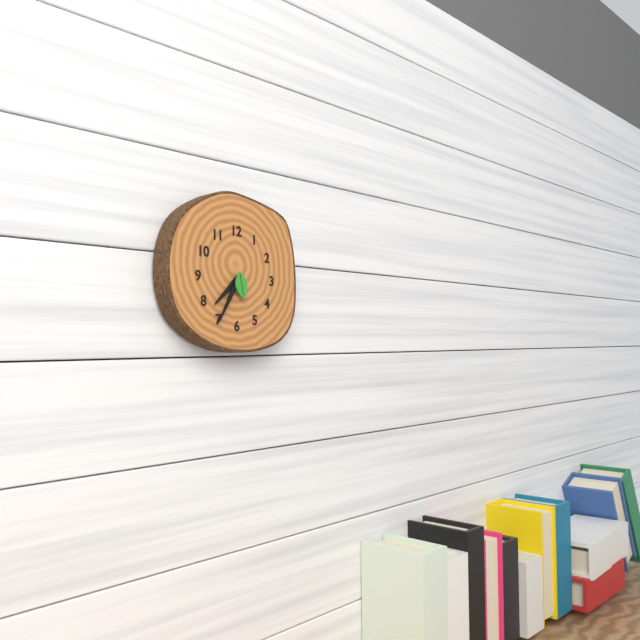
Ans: 7:35
